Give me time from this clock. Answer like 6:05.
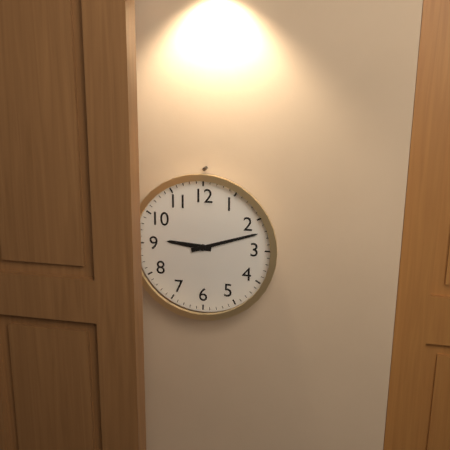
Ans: 9:12
